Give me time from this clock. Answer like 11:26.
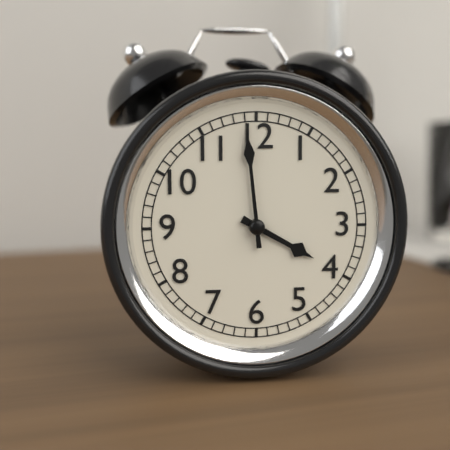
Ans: 3:59
